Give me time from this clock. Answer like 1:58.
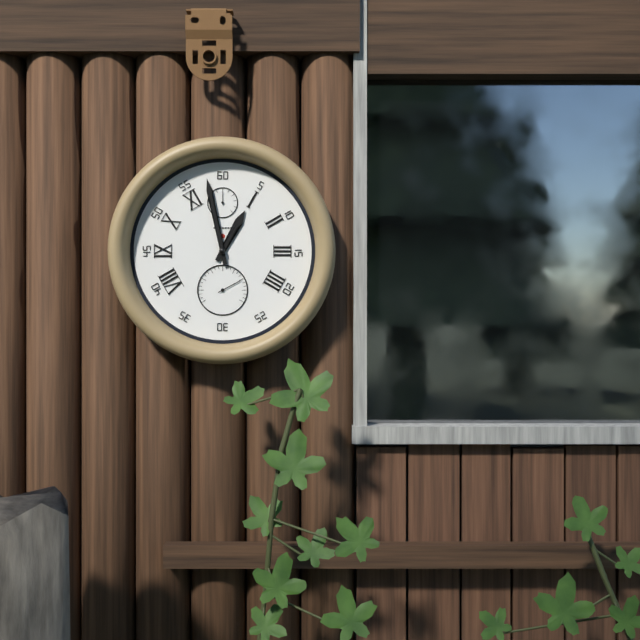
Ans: 12:58
